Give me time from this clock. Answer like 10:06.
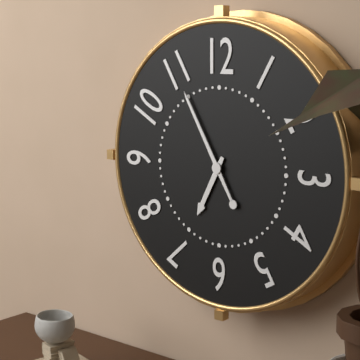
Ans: 6:55
